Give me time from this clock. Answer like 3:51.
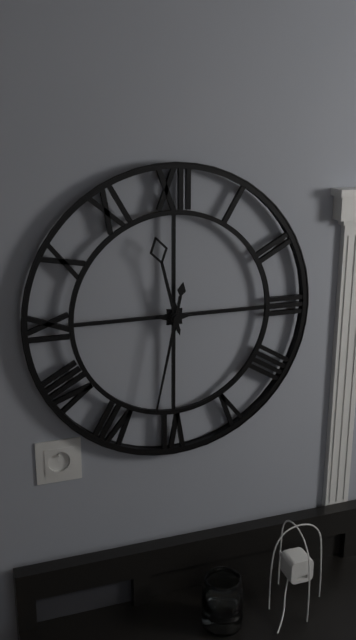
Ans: 11:32
